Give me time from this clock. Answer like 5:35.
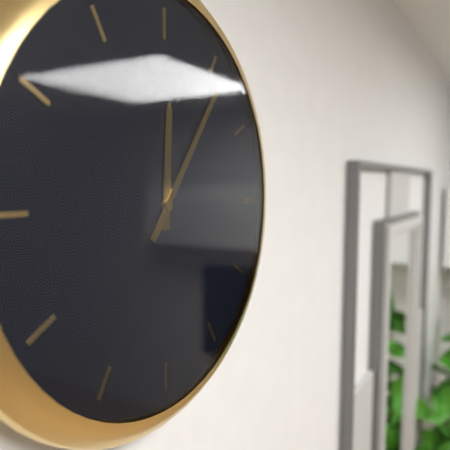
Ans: 12:06
